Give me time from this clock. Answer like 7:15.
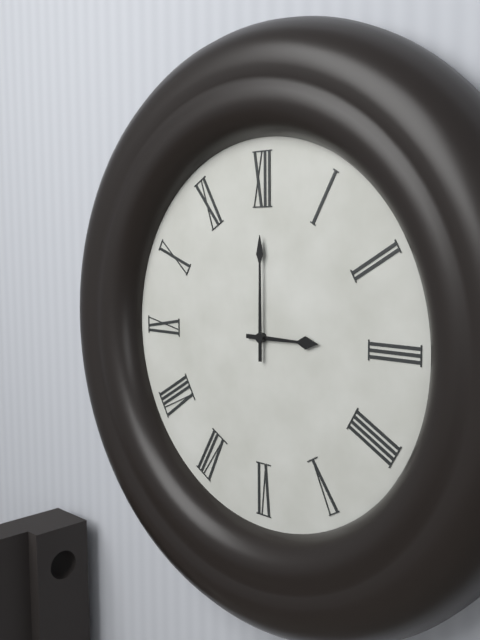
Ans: 3:00
